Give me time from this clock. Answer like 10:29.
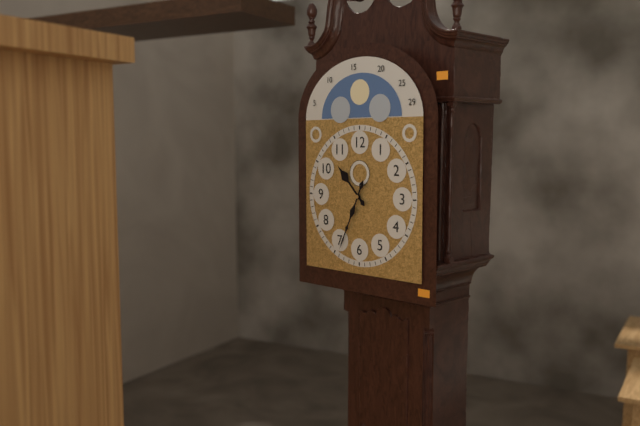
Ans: 10:34
